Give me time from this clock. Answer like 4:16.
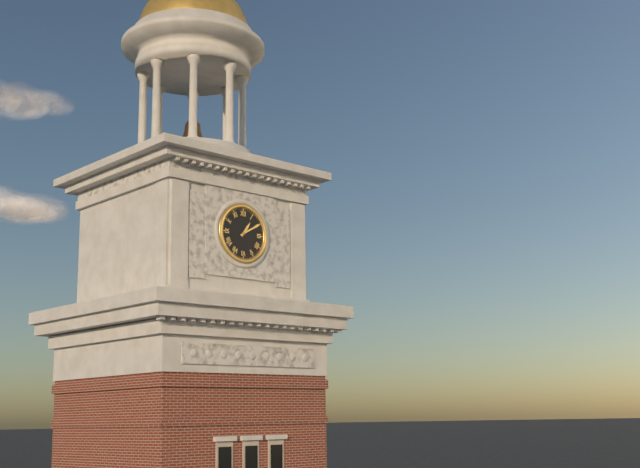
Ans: 1:10
